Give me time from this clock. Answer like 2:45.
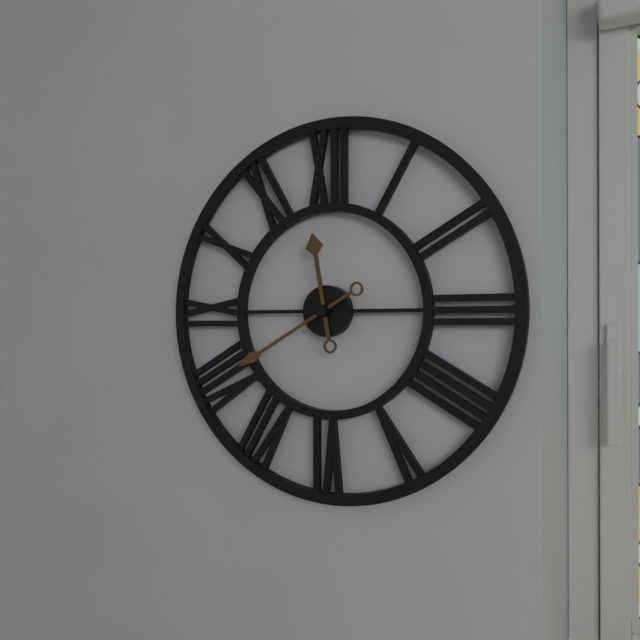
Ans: 11:40
